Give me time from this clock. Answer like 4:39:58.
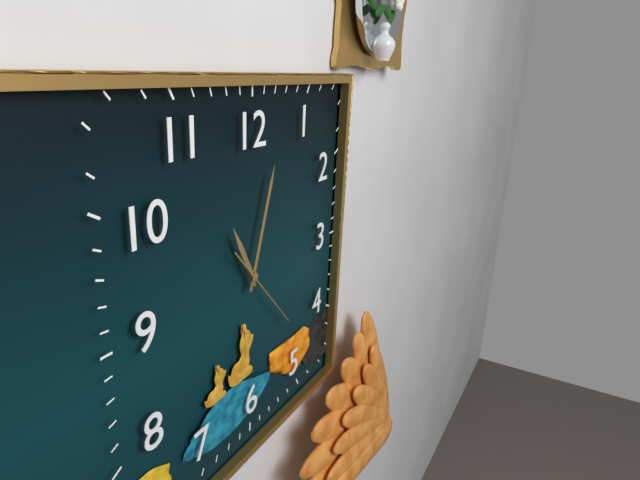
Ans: 11:03:23
